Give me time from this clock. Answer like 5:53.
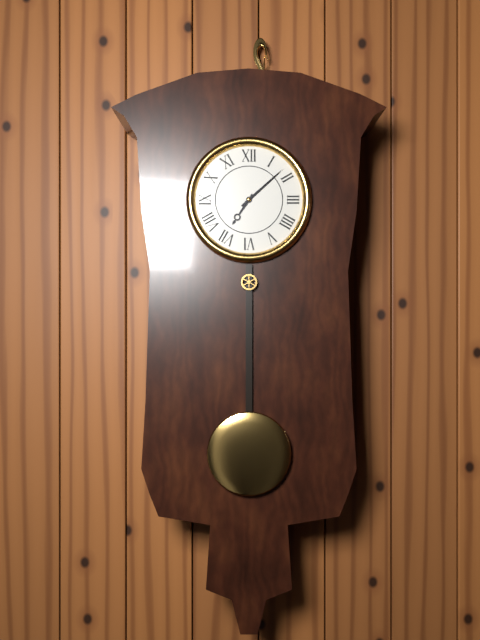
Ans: 7:08
